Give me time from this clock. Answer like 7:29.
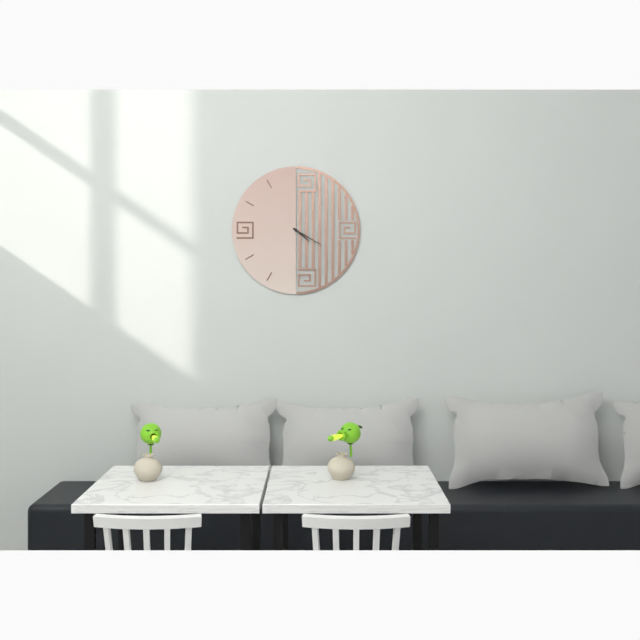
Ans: 4:20
